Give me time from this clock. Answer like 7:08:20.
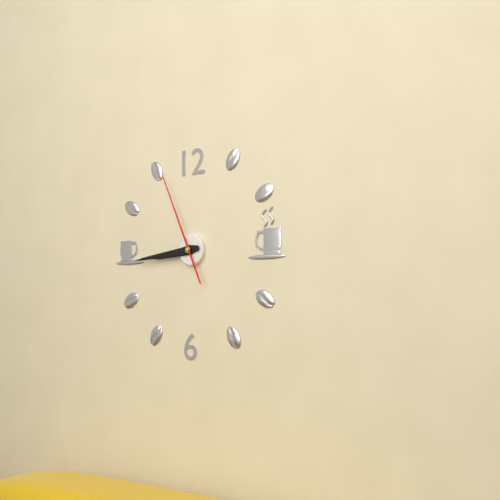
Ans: 8:44:56
